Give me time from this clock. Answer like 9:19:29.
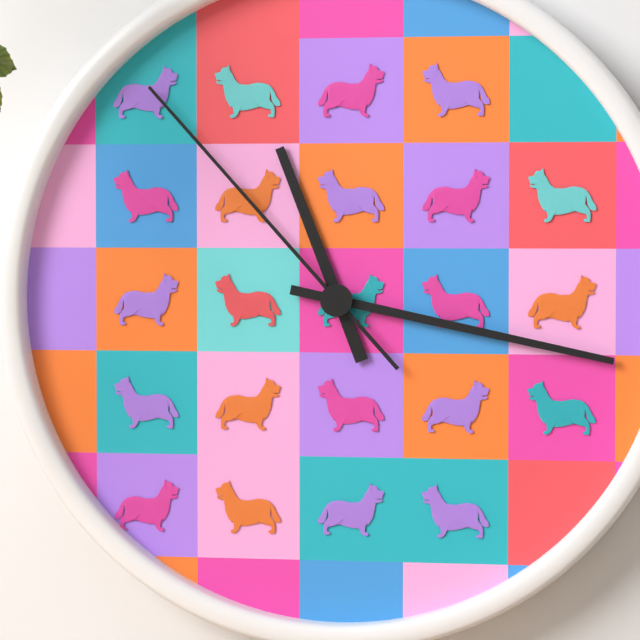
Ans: 11:17:53
